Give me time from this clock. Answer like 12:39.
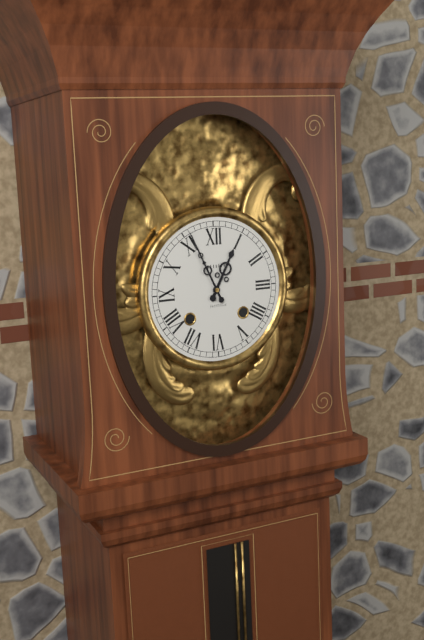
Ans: 12:56
